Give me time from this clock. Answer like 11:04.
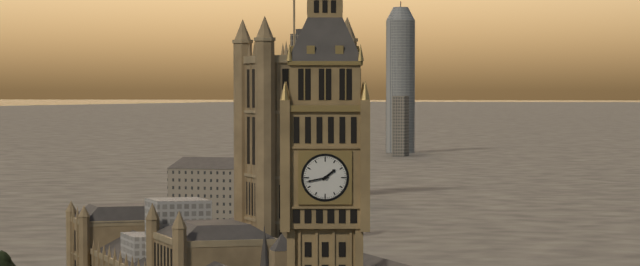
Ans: 1:43
